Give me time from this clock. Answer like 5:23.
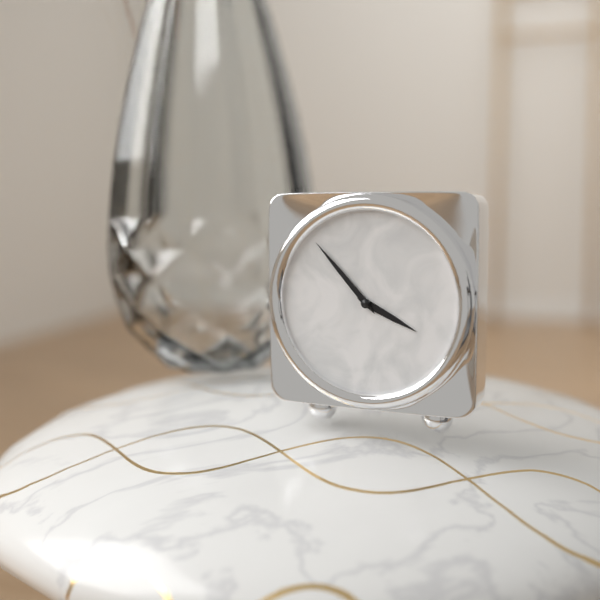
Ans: 3:53
